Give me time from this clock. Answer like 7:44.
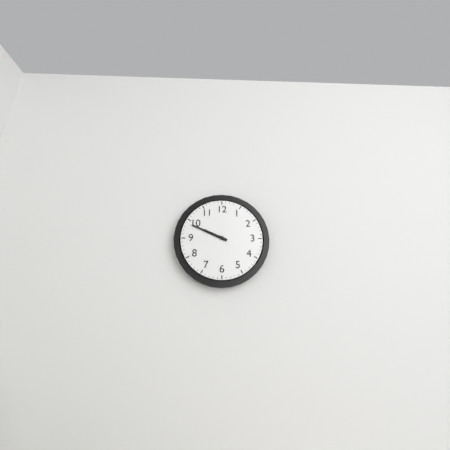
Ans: 9:49
